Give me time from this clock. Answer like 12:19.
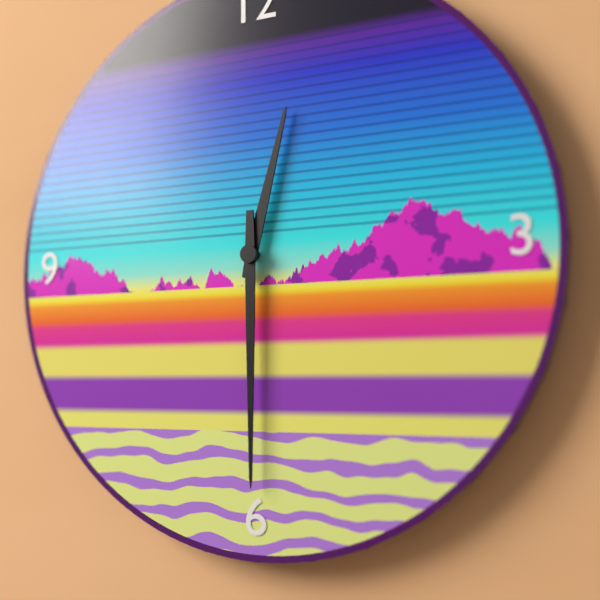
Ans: 12:30
